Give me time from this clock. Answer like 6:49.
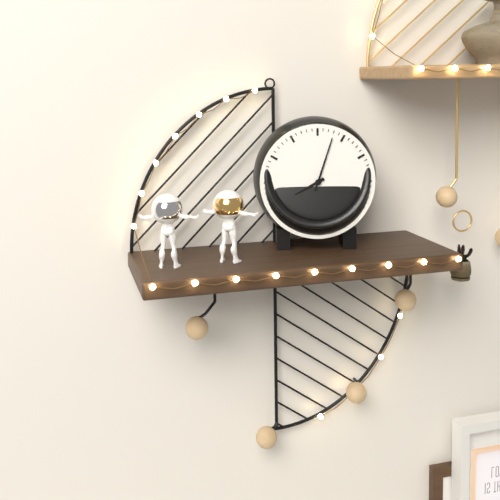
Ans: 8:03
